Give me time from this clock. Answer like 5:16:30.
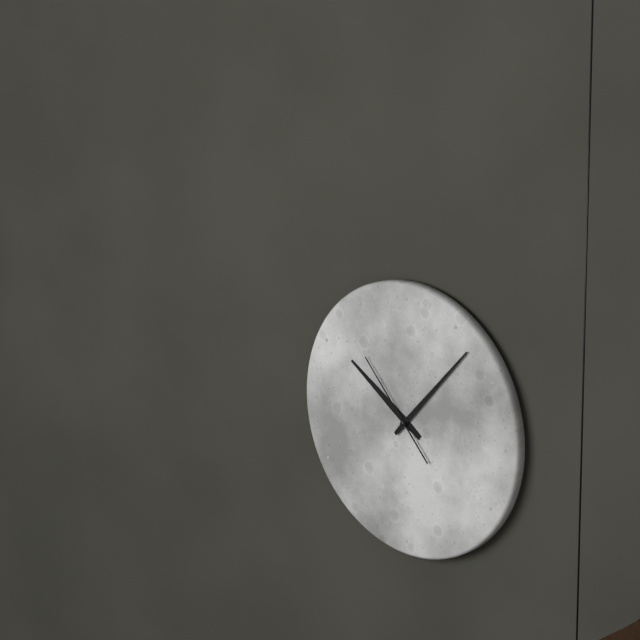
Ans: 10:07:53
